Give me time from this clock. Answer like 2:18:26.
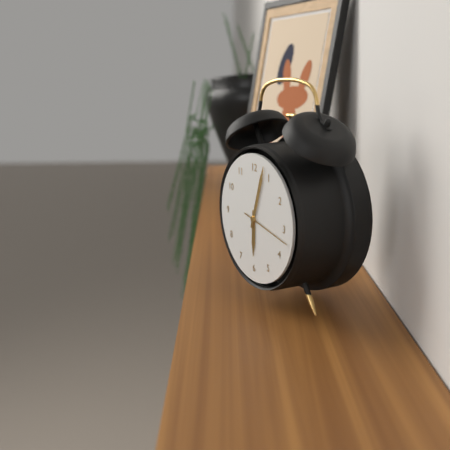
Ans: 6:03:17
